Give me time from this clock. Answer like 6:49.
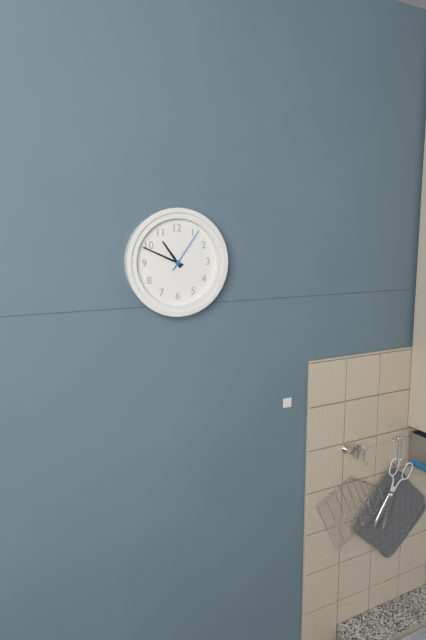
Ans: 10:49
